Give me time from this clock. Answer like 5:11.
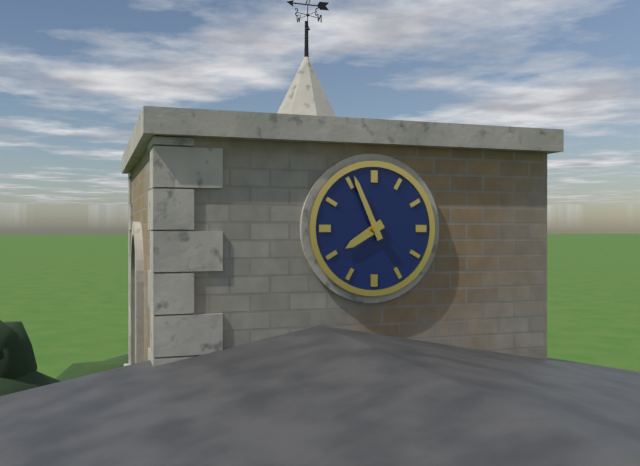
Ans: 7:56
